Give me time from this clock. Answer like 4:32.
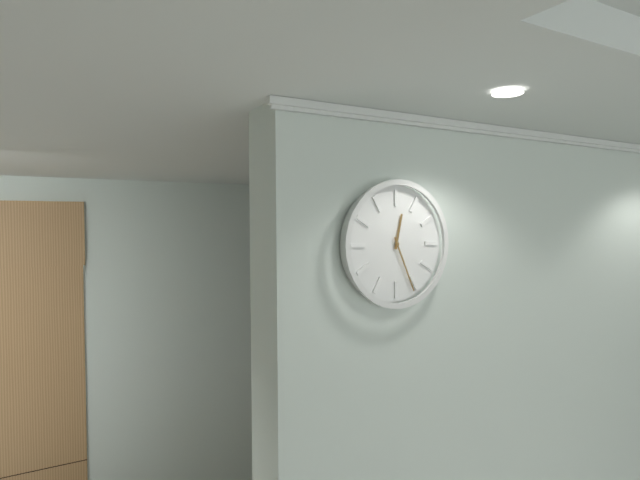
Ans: 12:26
